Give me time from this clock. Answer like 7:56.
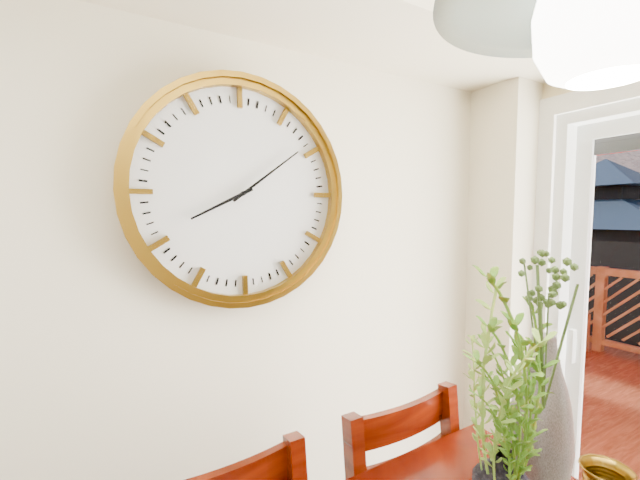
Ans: 8:09
